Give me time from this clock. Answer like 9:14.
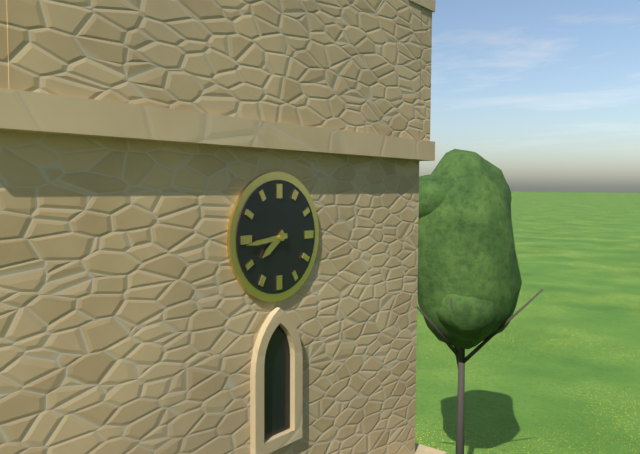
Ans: 7:44
